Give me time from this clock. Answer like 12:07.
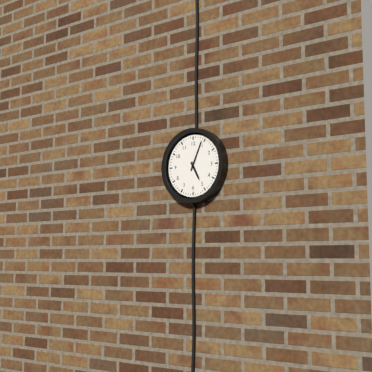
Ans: 5:04
